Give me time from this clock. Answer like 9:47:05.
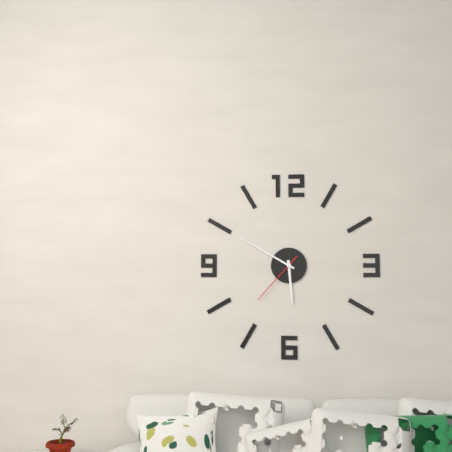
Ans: 5:50:37
